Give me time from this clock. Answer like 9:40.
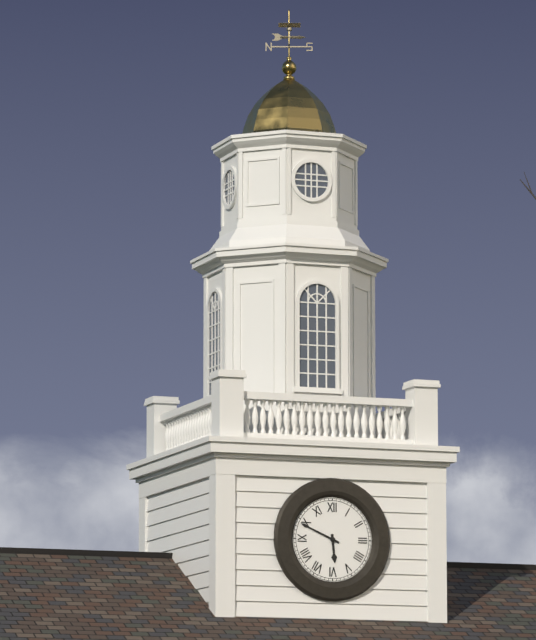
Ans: 5:49
